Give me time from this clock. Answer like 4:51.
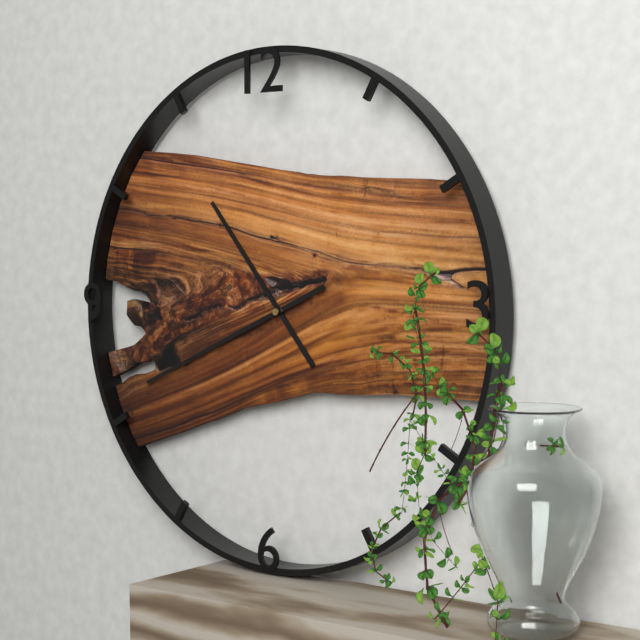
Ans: 10:41
